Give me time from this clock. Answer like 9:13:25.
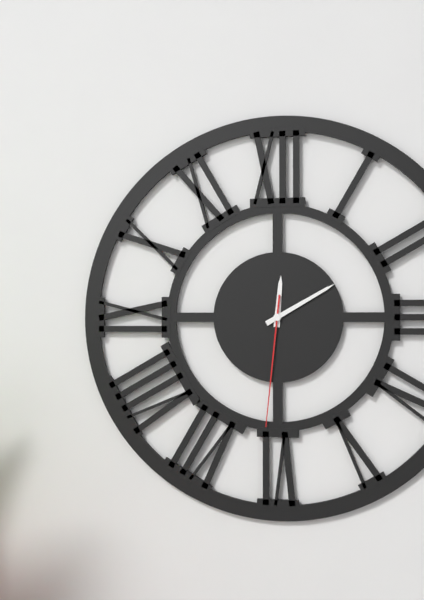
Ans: 12:10:31
